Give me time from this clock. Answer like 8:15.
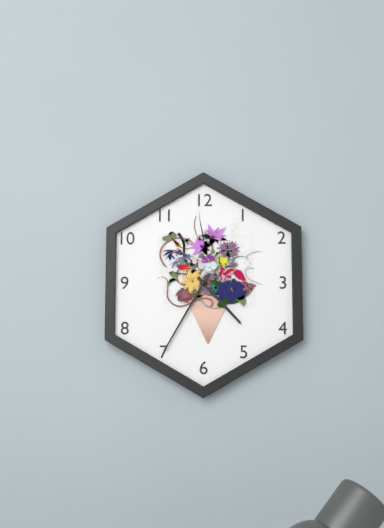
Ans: 4:35
